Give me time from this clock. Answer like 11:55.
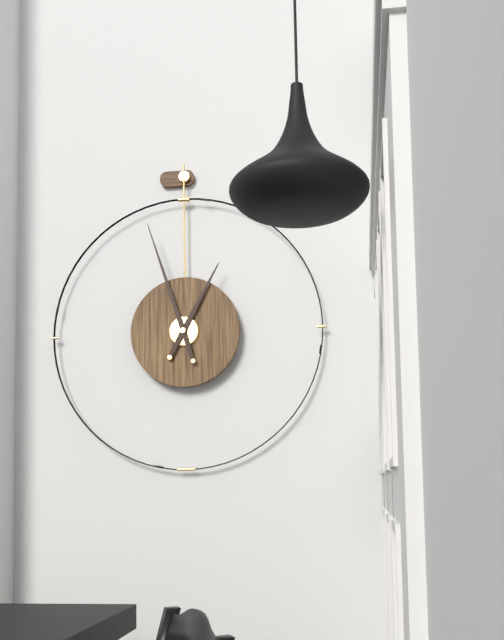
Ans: 12:57
